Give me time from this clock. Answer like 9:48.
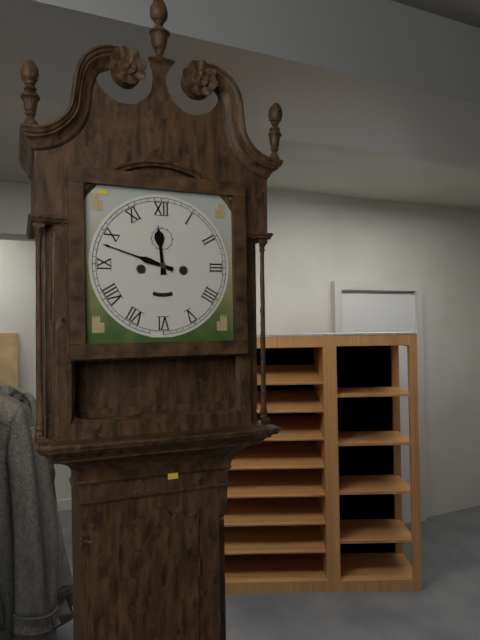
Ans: 11:48
